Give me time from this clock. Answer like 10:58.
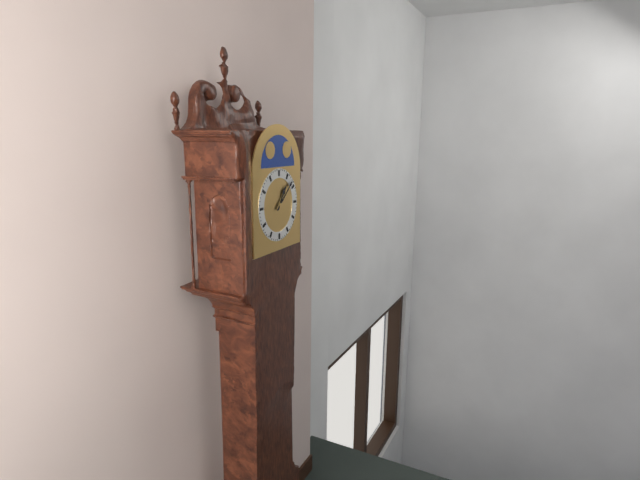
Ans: 1:08
